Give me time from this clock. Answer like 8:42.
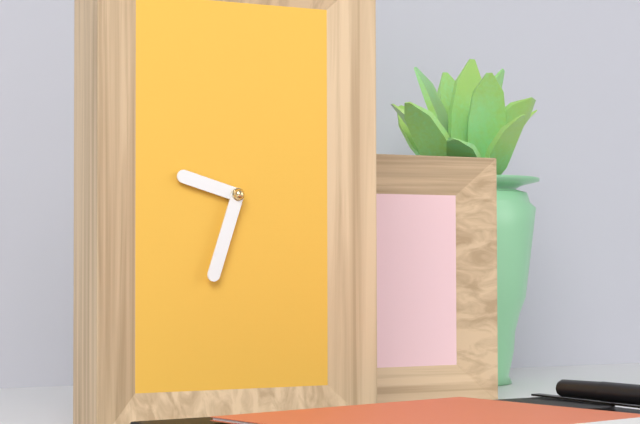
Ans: 9:33
